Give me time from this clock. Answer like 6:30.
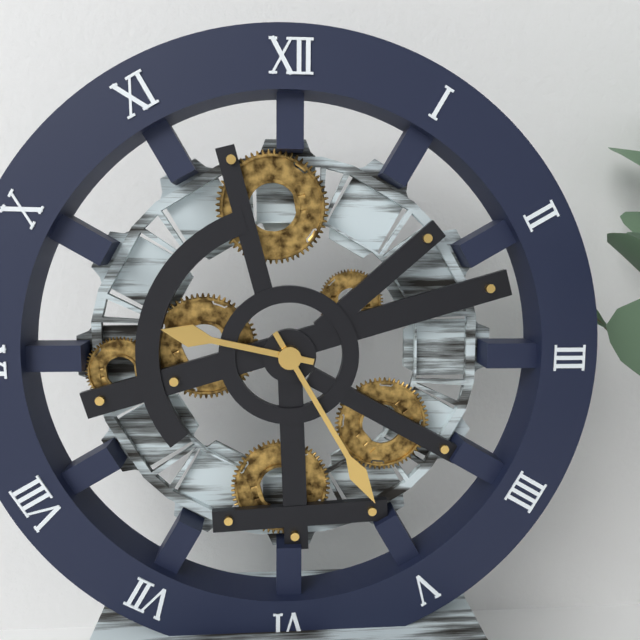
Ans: 9:25
